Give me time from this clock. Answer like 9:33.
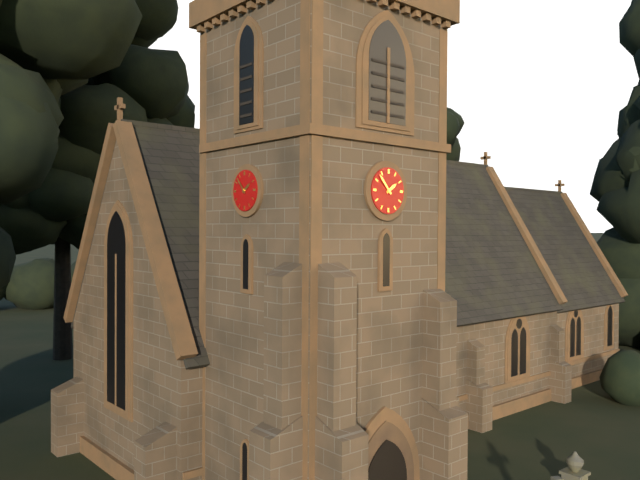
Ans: 1:53
